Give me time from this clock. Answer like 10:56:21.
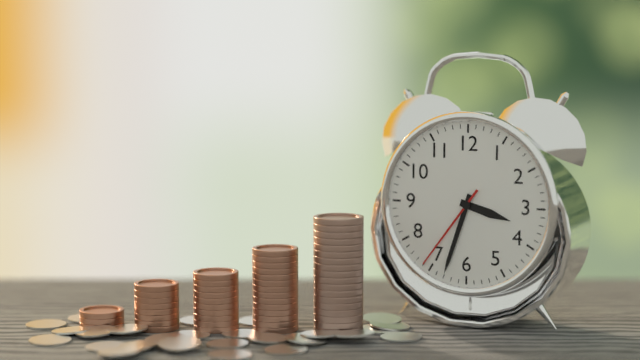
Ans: 3:33:36
